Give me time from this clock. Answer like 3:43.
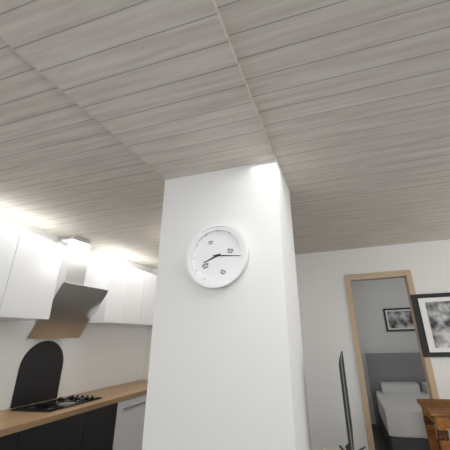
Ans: 8:16
